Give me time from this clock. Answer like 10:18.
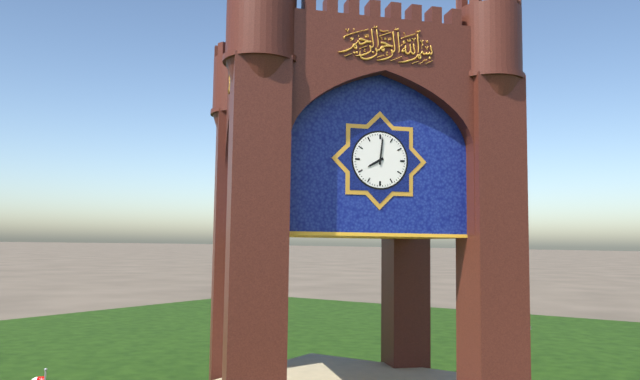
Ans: 8:01
